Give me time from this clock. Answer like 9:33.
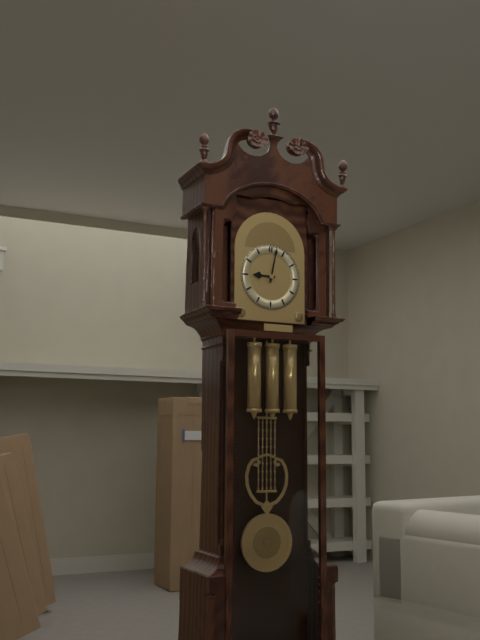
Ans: 9:02
